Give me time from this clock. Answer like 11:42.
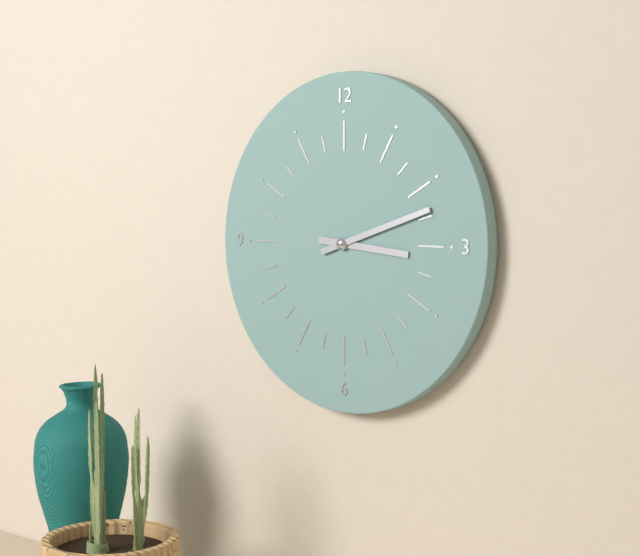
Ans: 3:12
